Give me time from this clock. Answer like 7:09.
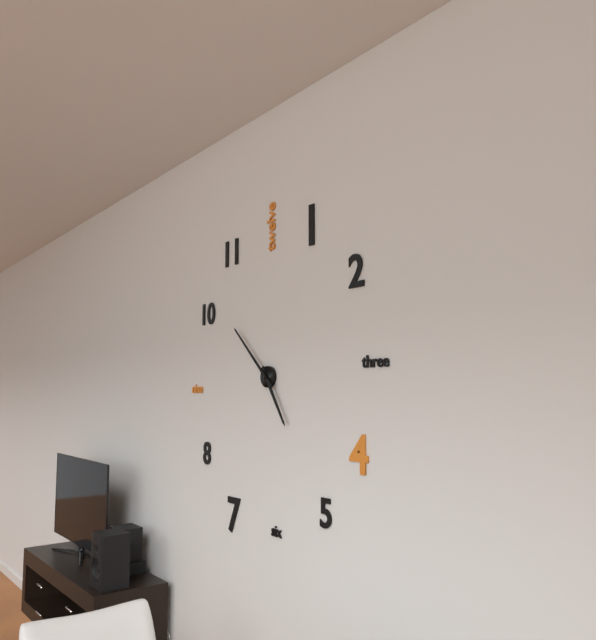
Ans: 4:52
